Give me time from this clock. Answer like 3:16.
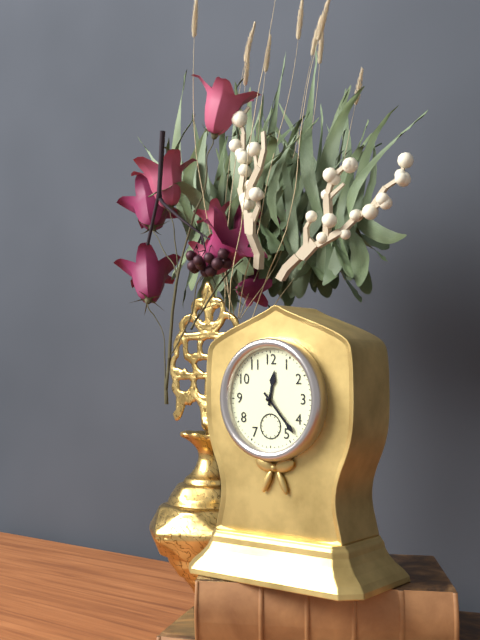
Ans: 12:23
